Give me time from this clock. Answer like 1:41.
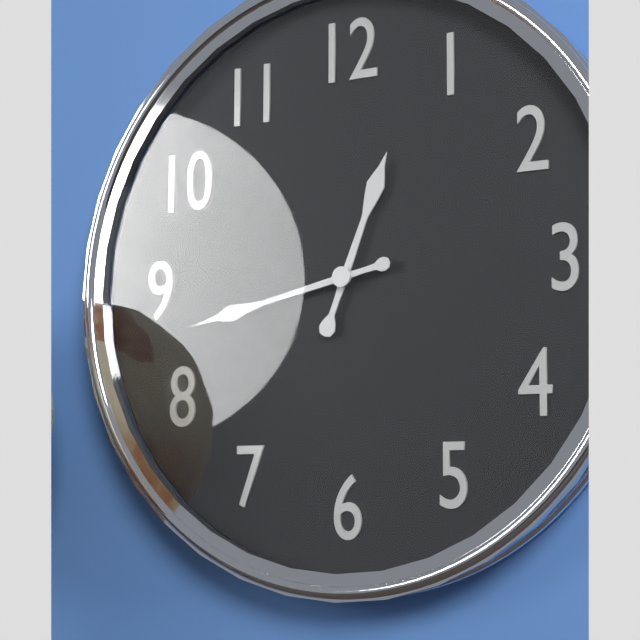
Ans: 12:43
